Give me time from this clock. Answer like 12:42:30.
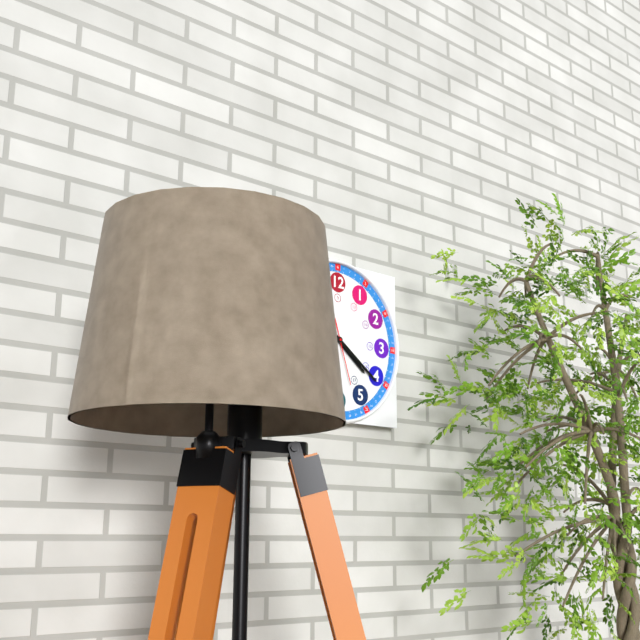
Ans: 4:21:27
